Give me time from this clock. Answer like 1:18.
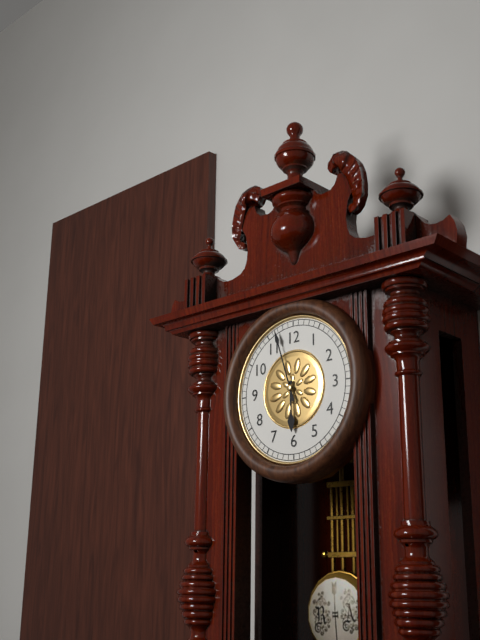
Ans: 5:57
